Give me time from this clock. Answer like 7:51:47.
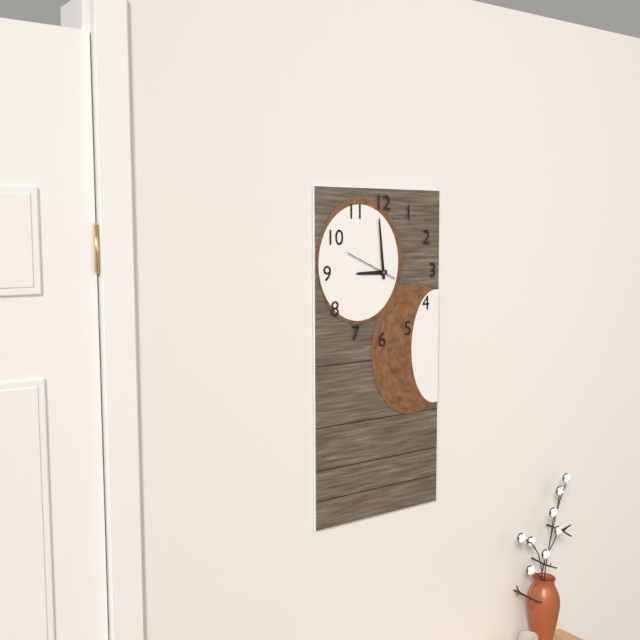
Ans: 8:59:49
